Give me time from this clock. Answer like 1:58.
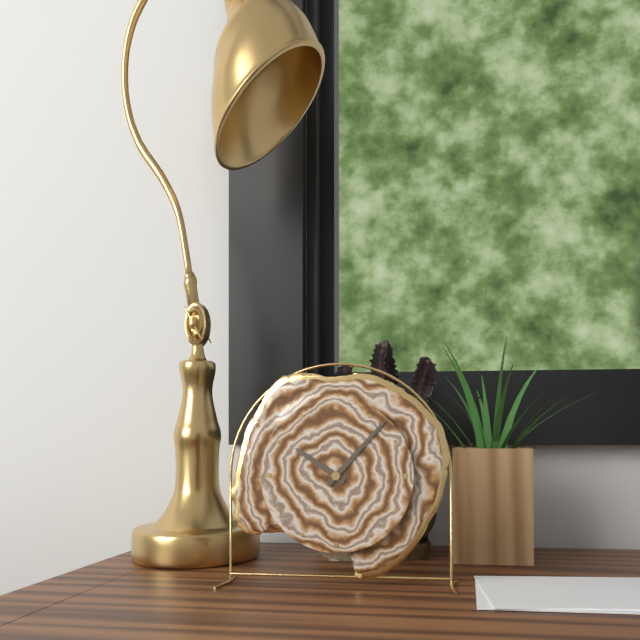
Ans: 10:07
